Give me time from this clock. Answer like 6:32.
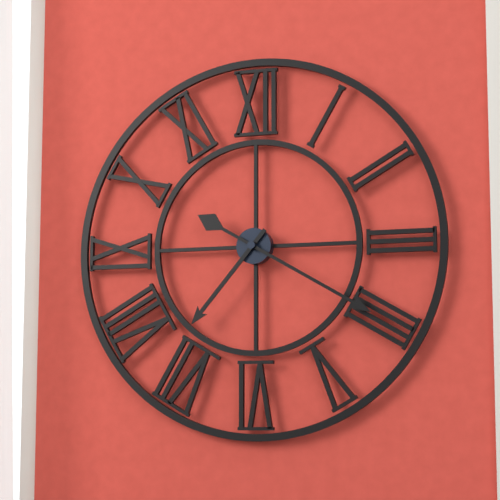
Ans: 7:20
